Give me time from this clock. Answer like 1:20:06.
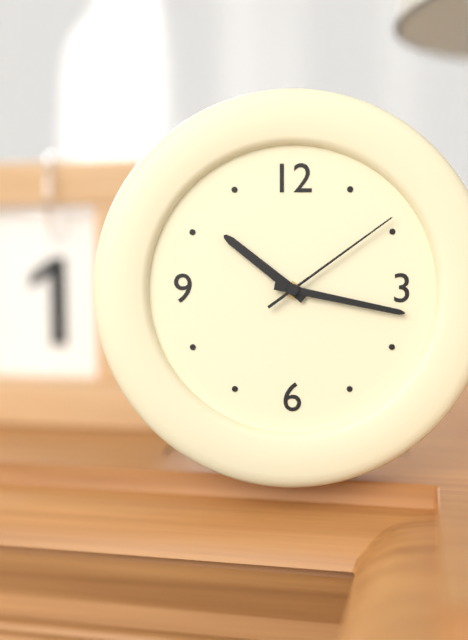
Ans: 10:17:09
